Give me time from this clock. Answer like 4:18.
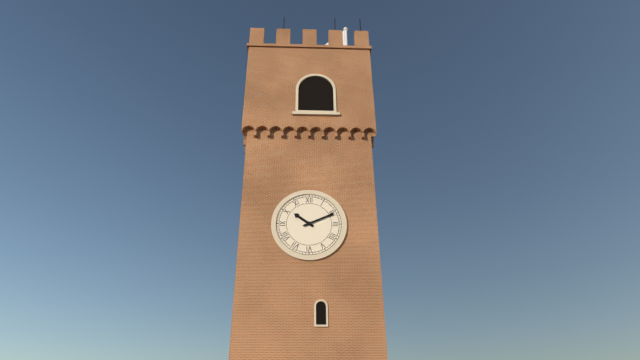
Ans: 10:11
